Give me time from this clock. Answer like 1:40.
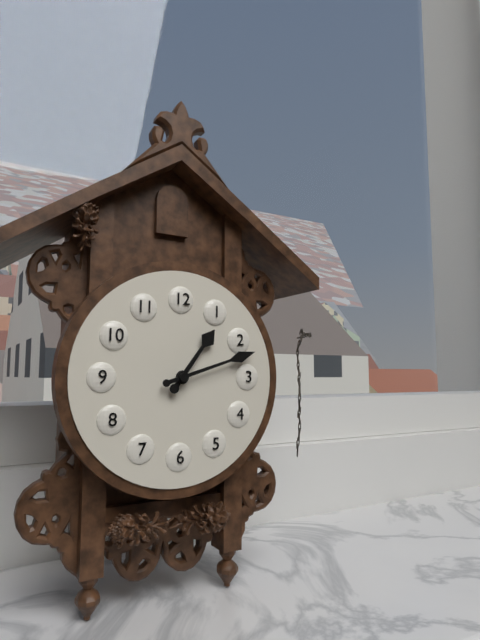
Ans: 1:12
